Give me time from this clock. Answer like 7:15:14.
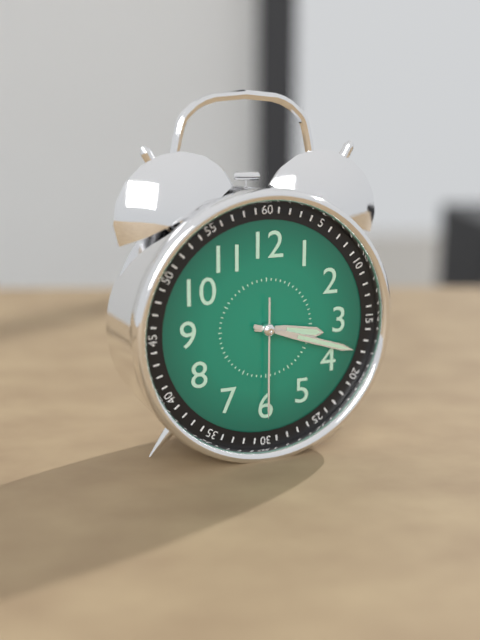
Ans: 3:18:30
